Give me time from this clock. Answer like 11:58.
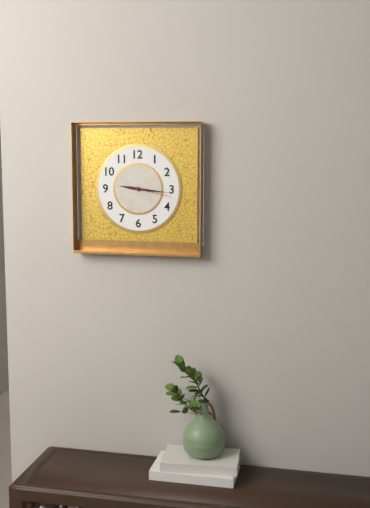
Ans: 9:16
